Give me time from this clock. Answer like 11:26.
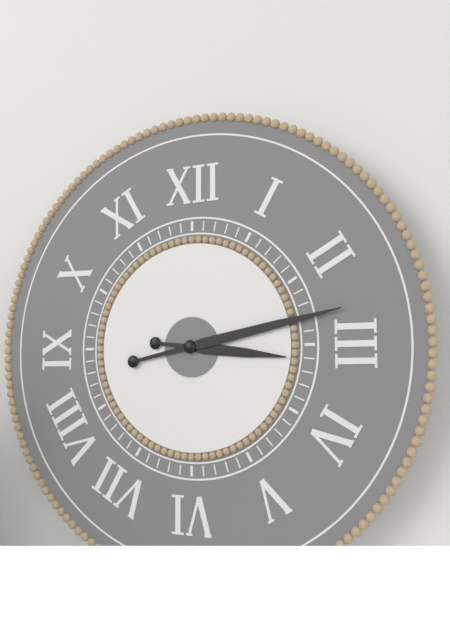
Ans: 3:13
